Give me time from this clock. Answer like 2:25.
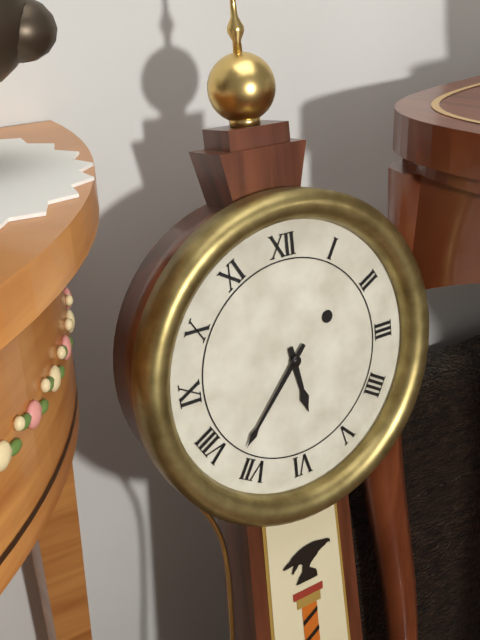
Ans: 5:37
